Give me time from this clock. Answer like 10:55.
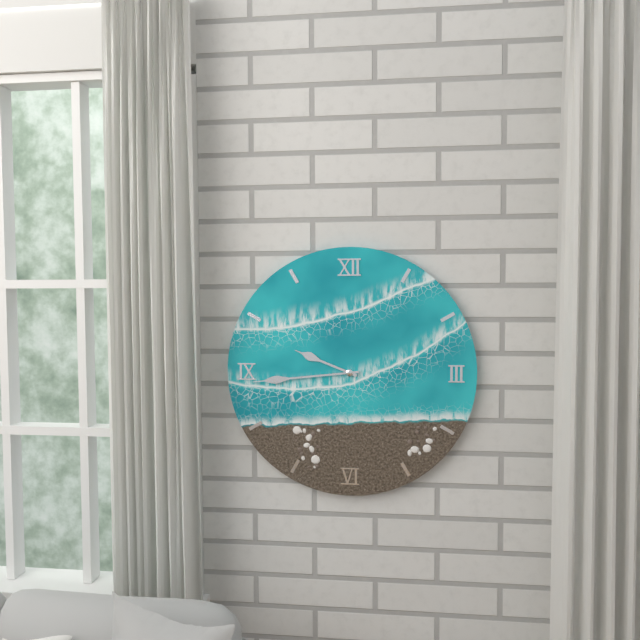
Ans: 9:44
